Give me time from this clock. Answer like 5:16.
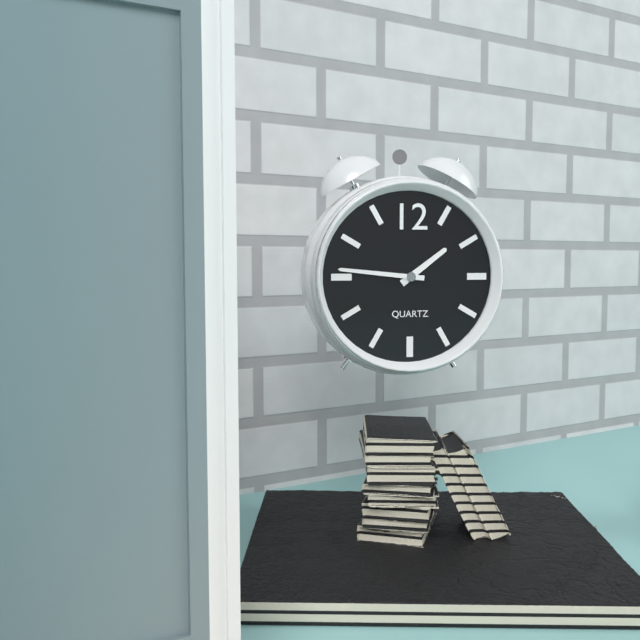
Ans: 1:46
